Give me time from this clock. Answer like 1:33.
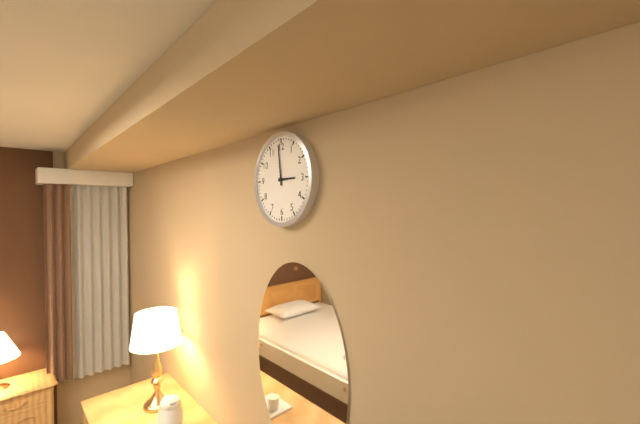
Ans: 2:59
